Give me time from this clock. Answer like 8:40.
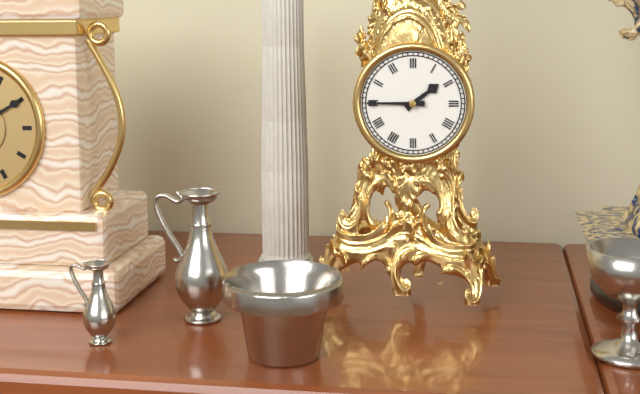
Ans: 1:45
